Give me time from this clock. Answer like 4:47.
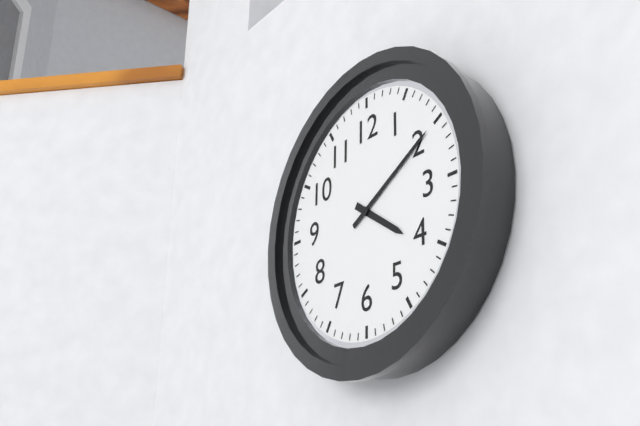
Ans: 4:10
